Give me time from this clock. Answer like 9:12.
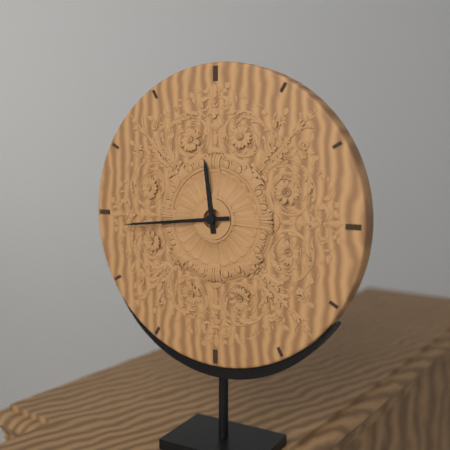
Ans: 11:44
